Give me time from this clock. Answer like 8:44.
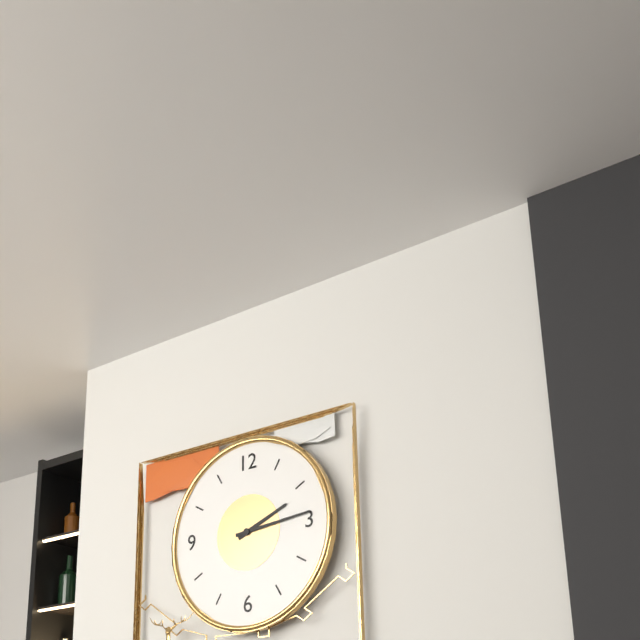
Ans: 2:14
